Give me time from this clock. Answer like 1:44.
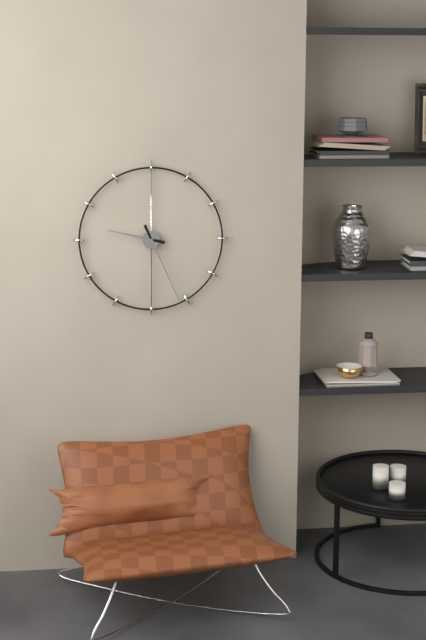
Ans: 9:26
